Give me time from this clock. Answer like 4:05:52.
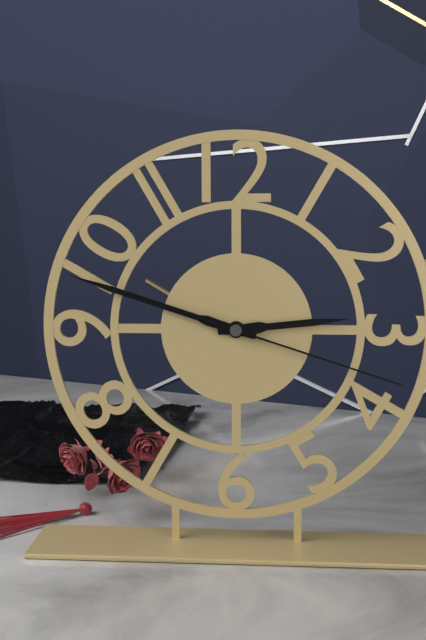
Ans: 2:48:18
